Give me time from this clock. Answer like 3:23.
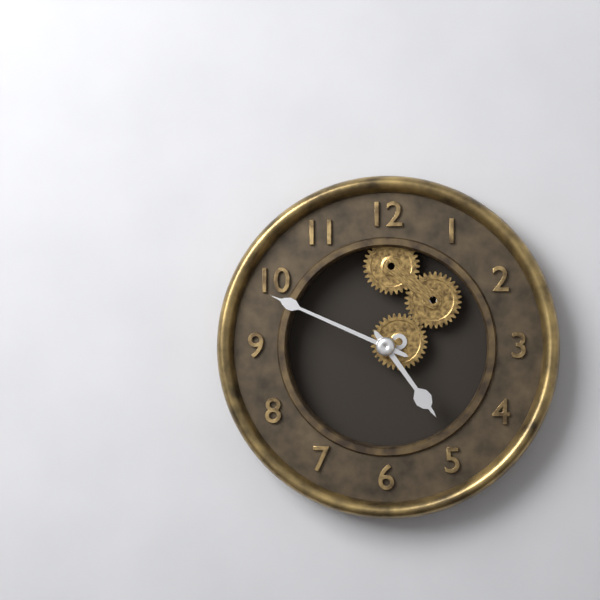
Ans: 4:49
